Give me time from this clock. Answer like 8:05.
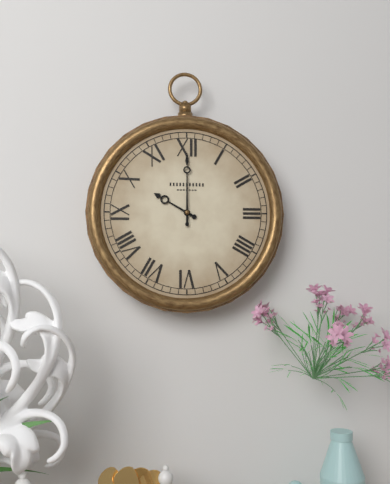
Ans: 10:00
